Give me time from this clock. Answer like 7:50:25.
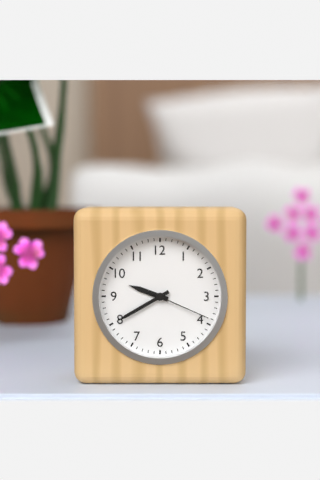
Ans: 9:40:19
